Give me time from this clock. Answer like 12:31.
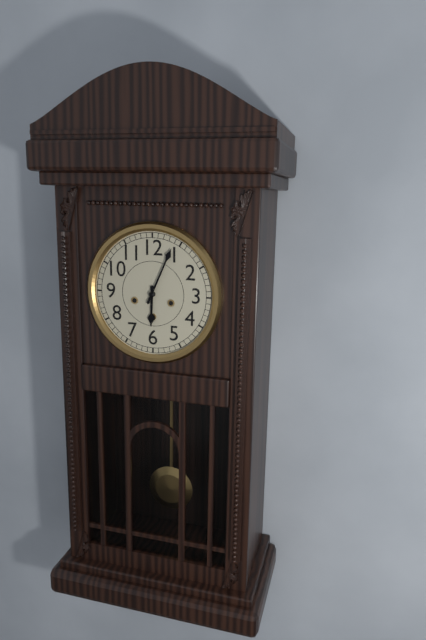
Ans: 6:04
